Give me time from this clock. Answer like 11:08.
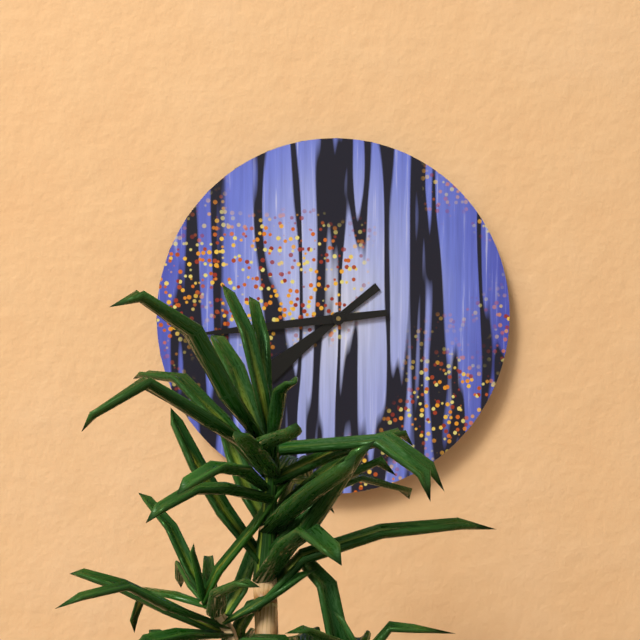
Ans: 7:44
